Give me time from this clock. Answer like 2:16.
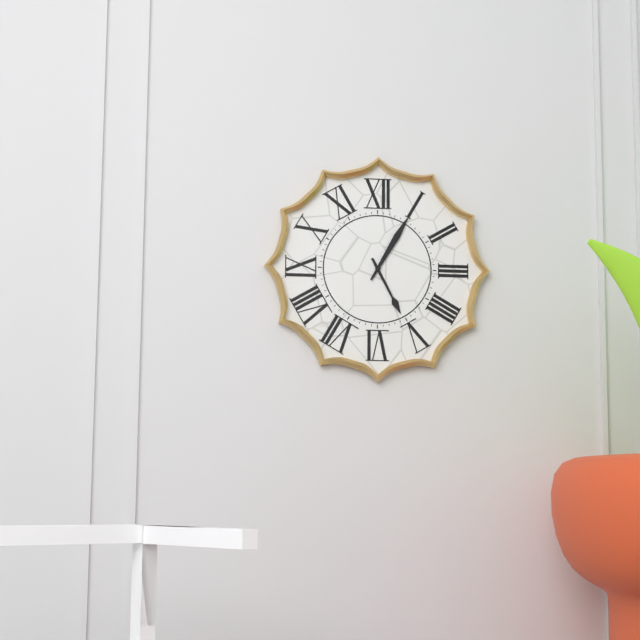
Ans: 5:05
